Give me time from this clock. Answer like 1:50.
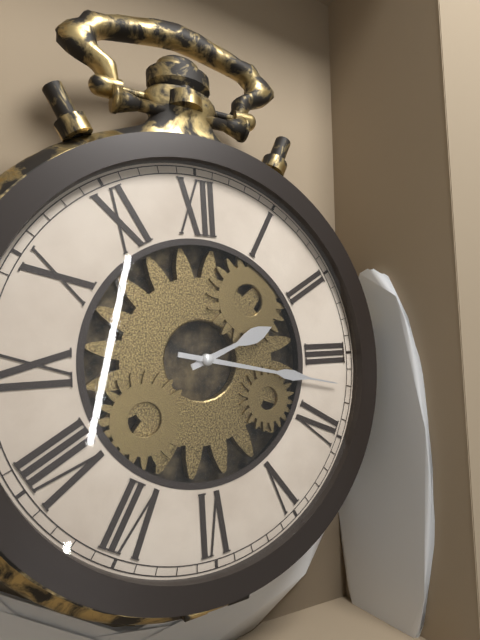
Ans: 2:17
